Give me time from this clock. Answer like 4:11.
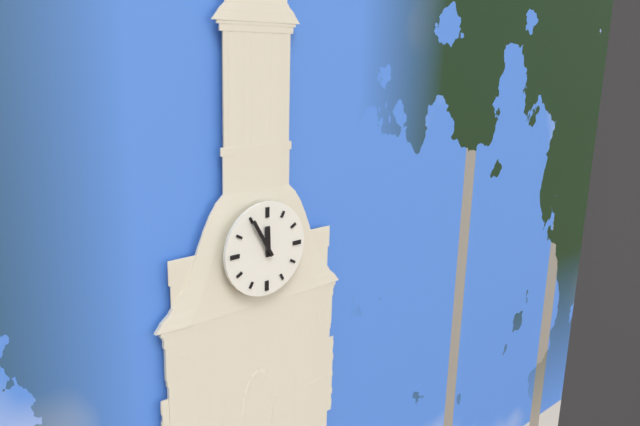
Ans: 11:55
